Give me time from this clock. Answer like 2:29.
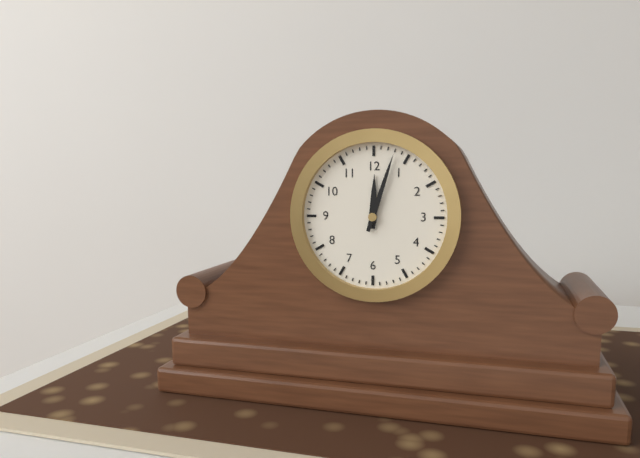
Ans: 12:03
